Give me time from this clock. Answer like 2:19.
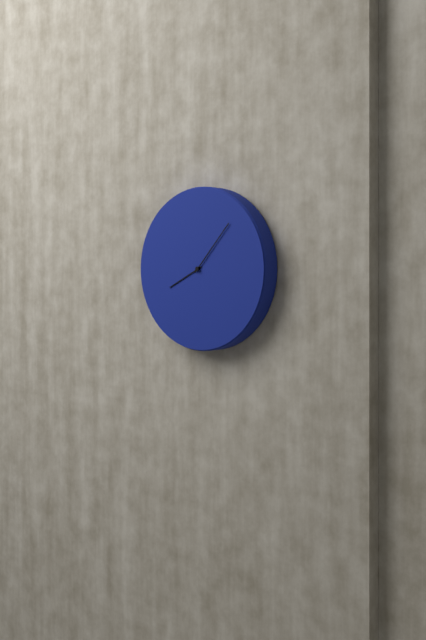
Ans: 8:07
